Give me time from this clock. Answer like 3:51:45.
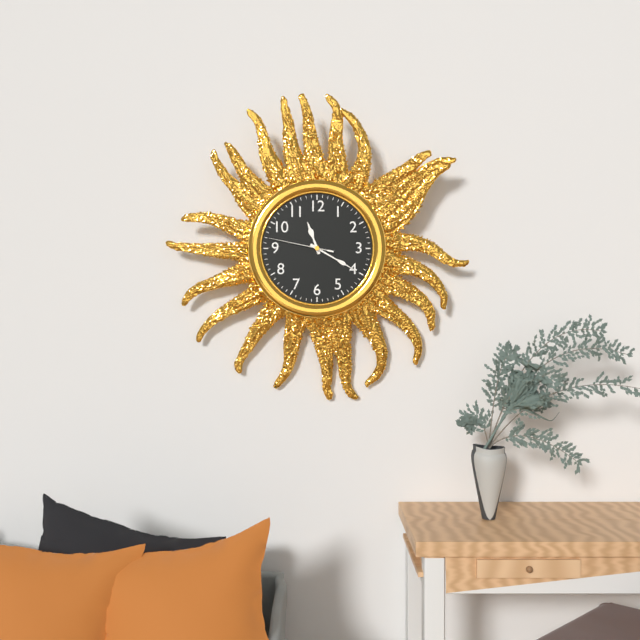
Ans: 11:20:47
